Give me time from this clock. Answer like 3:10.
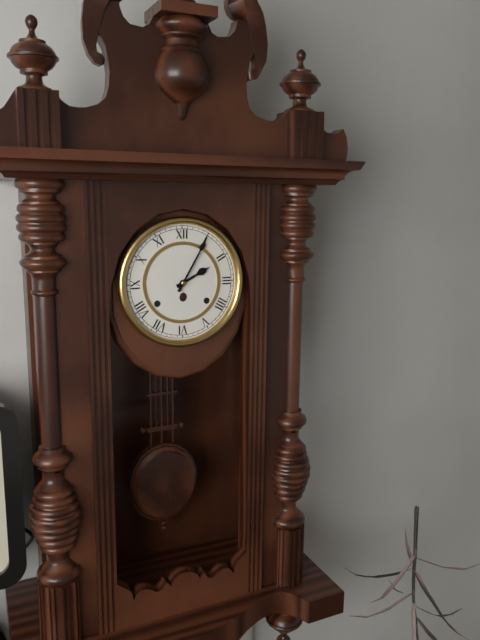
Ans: 2:05
